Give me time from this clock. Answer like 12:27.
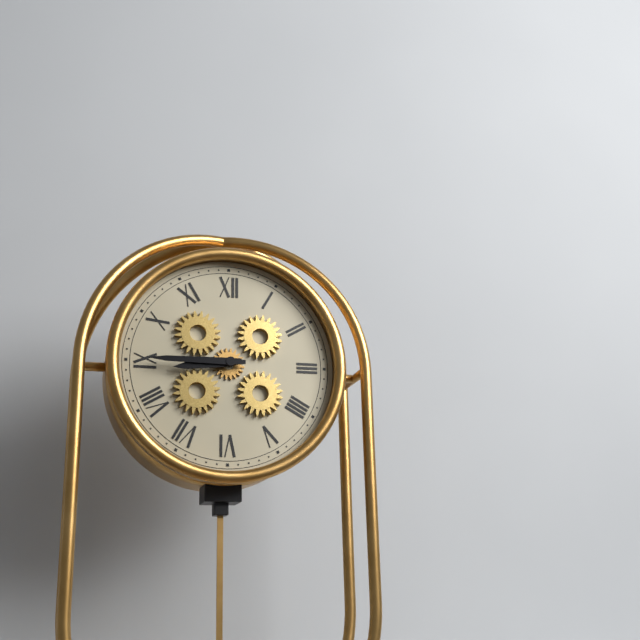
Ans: 8:45
